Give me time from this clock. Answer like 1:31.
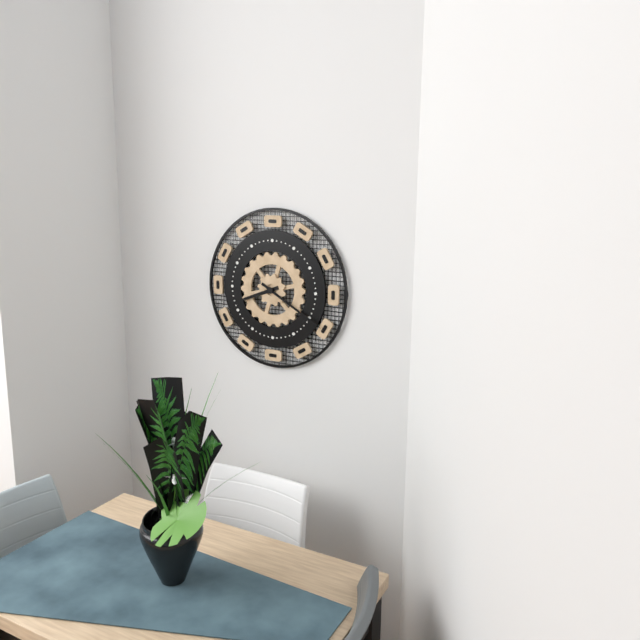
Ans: 8:20
